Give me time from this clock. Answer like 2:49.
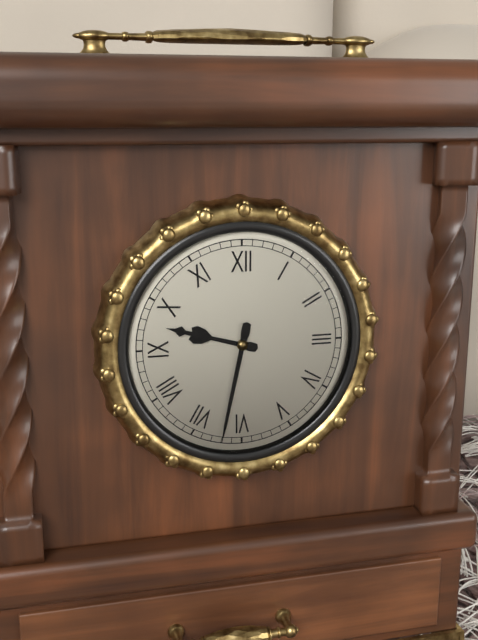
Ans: 9:32
